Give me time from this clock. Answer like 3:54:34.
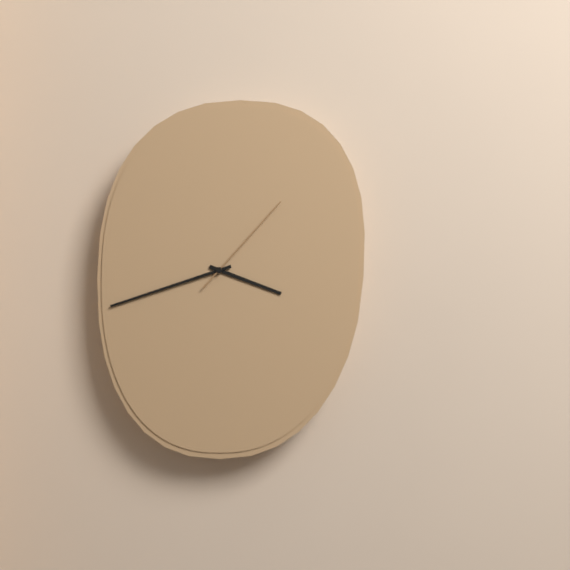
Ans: 3:42:07
